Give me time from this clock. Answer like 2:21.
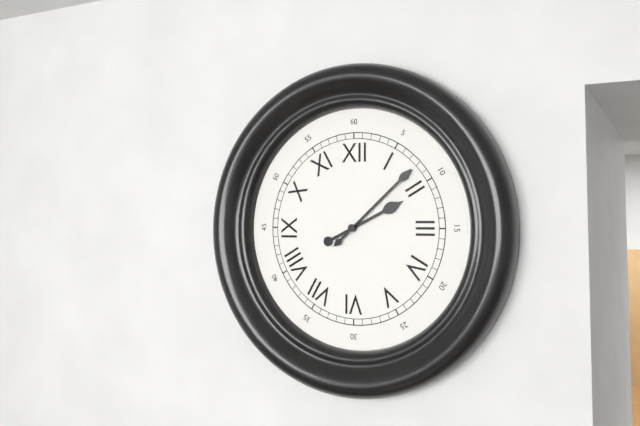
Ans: 2:08
